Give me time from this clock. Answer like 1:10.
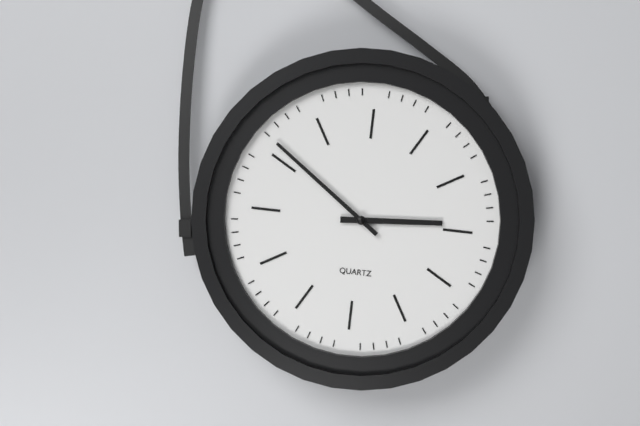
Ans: 2:51
